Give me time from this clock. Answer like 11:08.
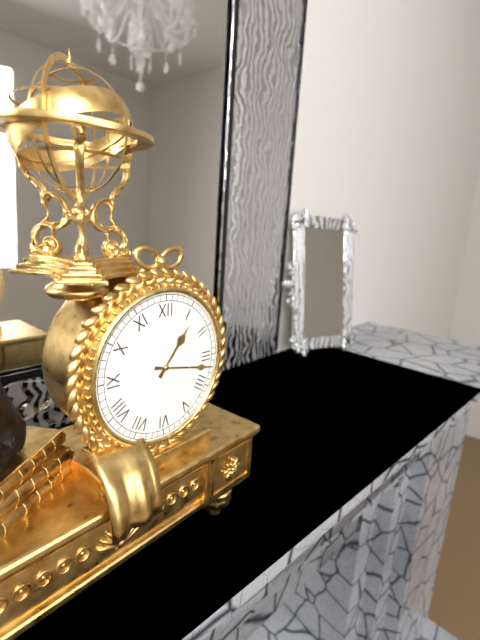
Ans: 1:17
